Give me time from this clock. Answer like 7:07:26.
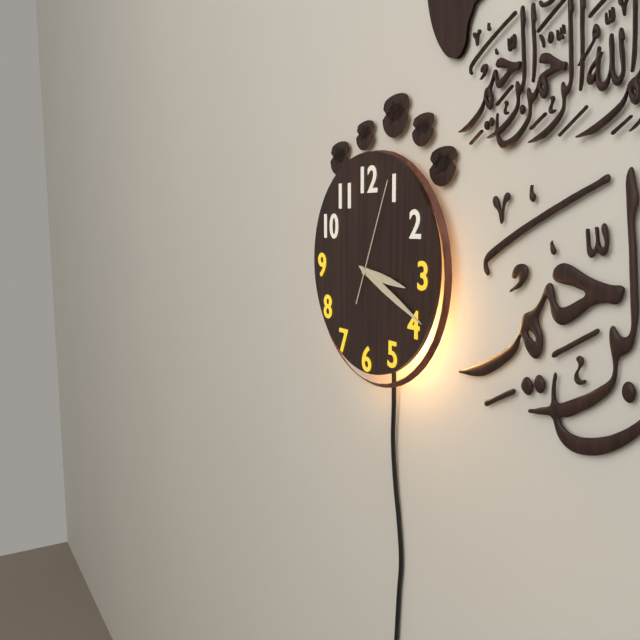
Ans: 3:19:04
